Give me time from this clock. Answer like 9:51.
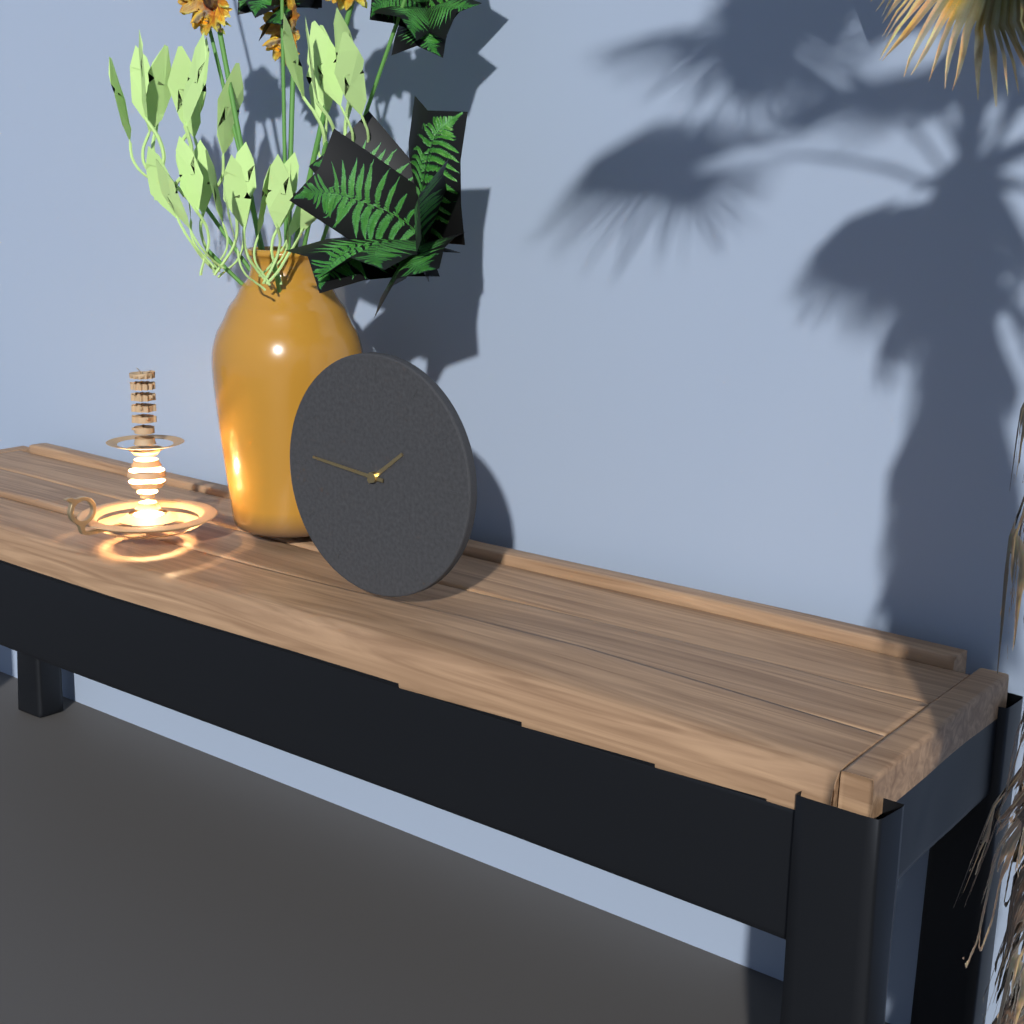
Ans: 1:46
